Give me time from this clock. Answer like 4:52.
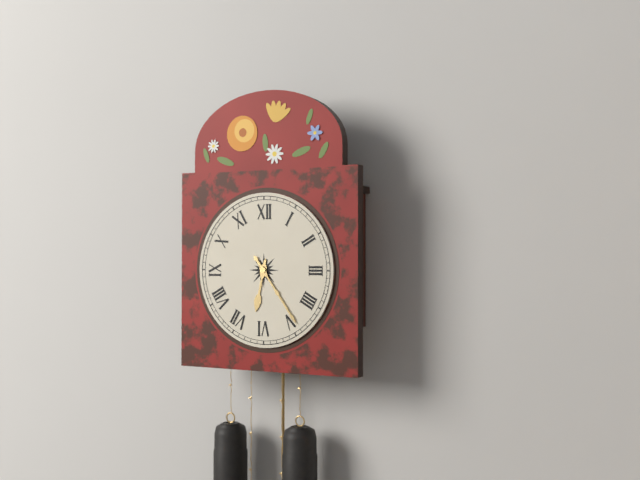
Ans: 6:24
